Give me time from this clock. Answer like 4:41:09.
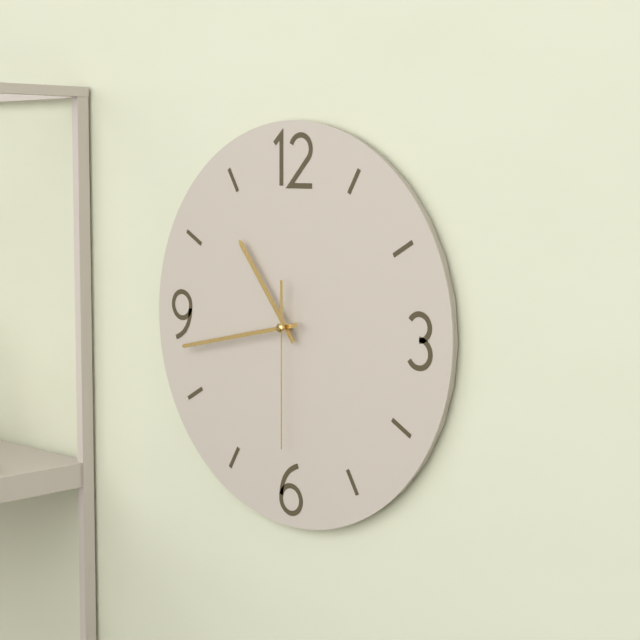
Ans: 10:43:30
